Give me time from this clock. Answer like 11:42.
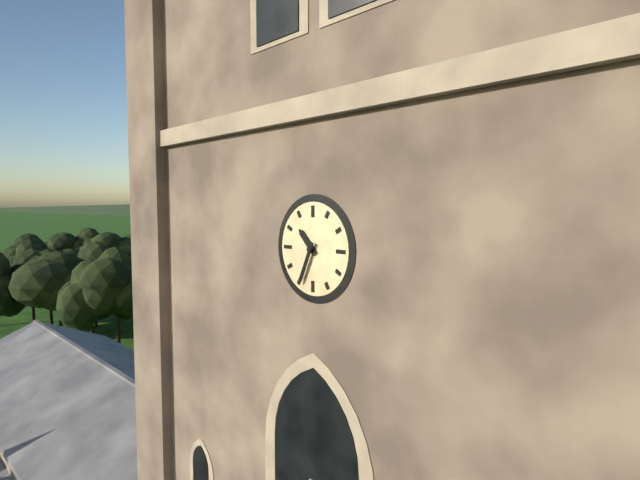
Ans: 10:34
